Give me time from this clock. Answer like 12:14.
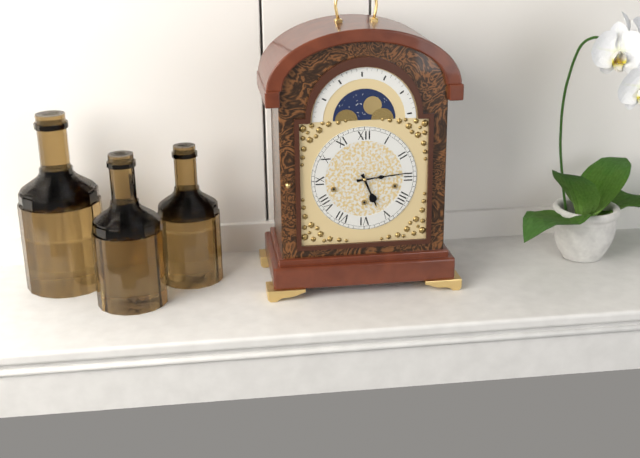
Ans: 5:14
